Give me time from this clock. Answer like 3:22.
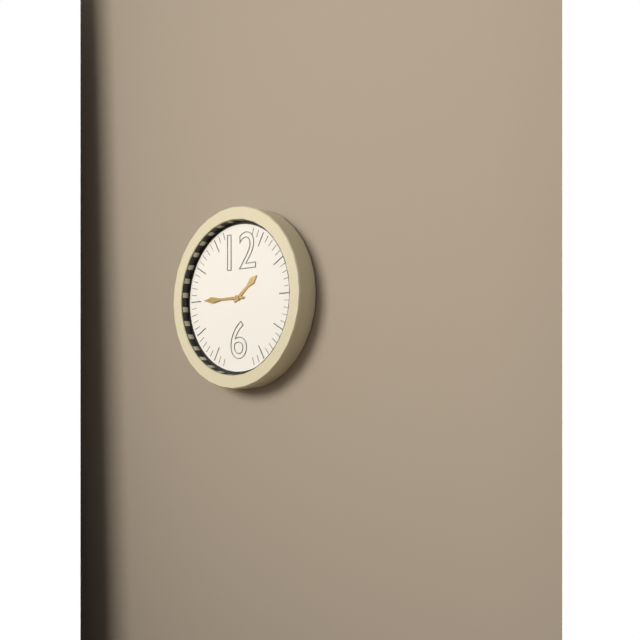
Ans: 1:45
